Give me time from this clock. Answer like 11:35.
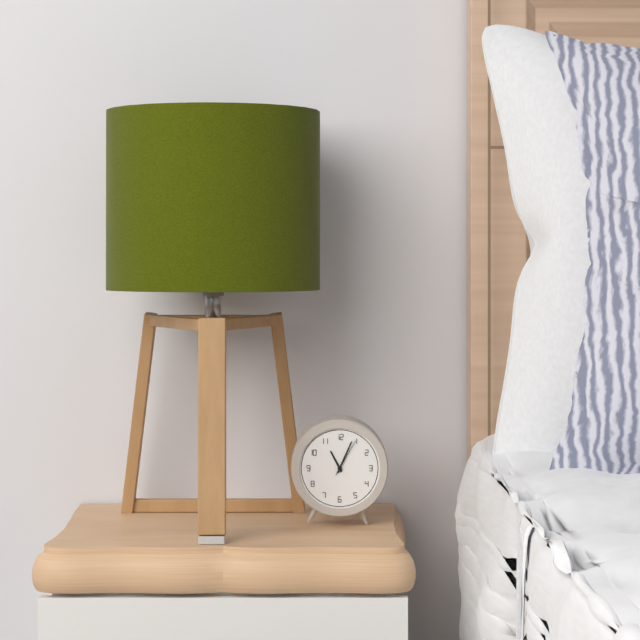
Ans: 11:04
